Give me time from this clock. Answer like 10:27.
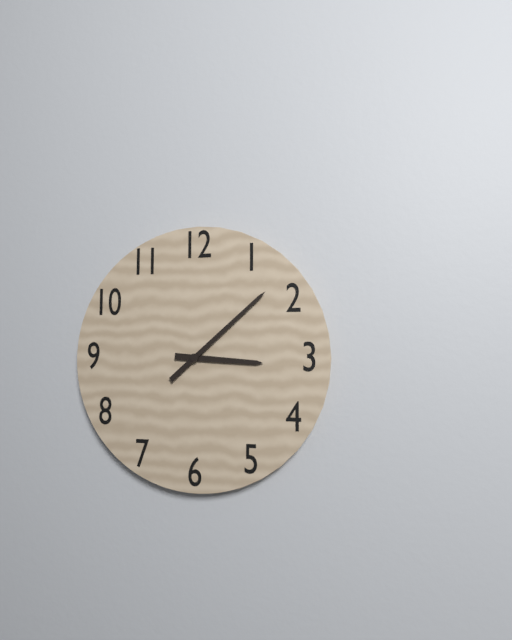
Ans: 3:08
